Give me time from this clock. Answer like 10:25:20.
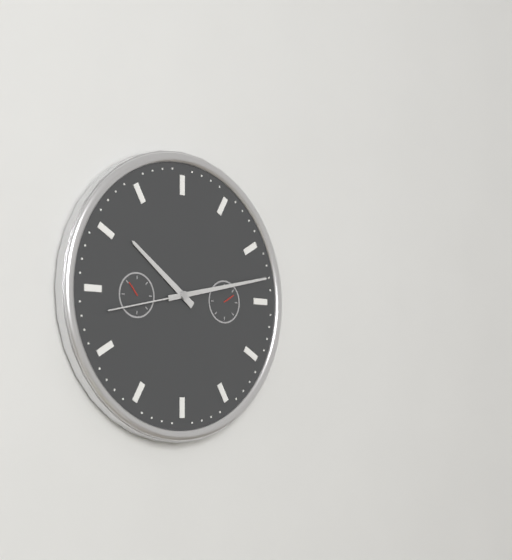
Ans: 10:13:43
